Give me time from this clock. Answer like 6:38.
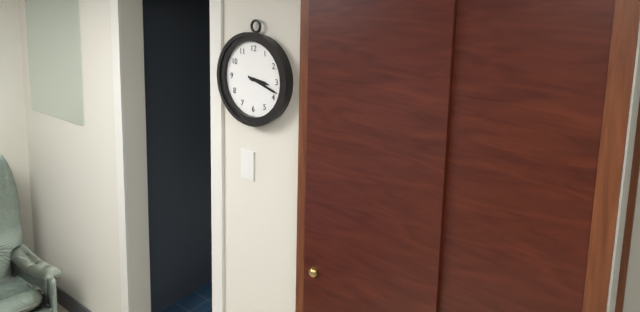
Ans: 3:18
